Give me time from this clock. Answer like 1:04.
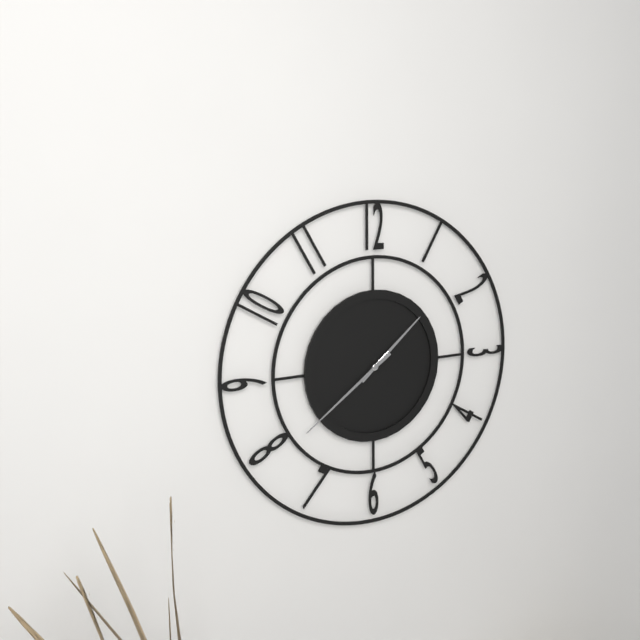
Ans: 1:39
